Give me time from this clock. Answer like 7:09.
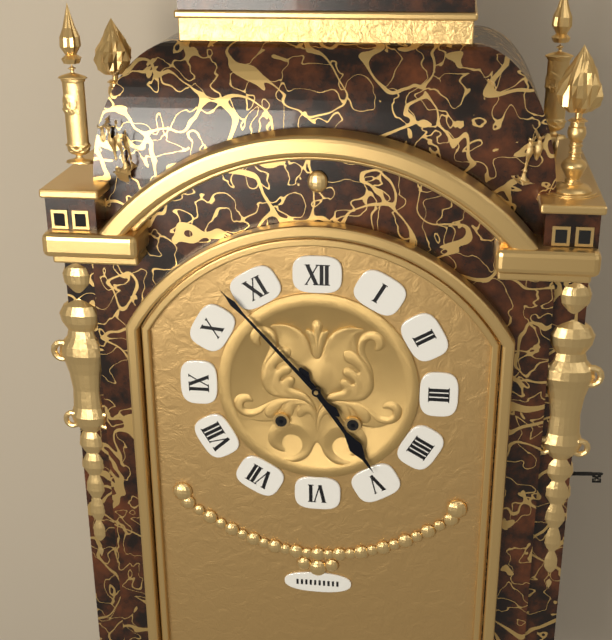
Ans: 4:53
